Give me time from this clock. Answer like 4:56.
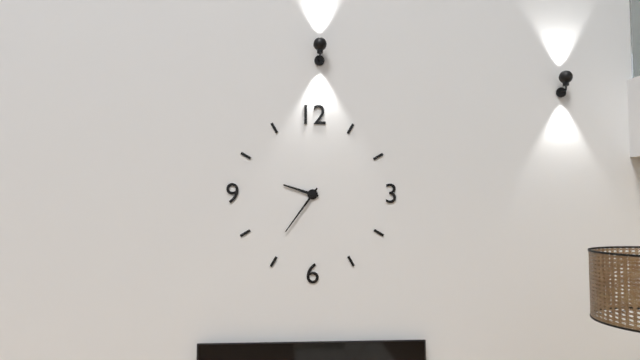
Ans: 9:36
